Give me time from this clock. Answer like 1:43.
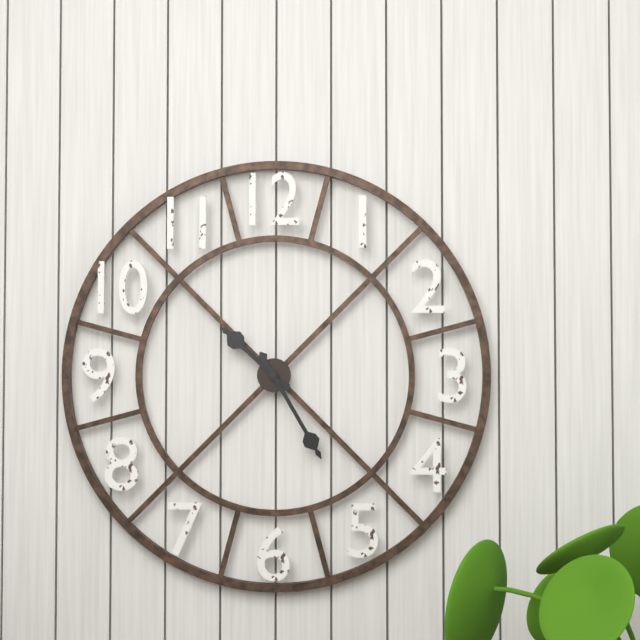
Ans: 10:25
